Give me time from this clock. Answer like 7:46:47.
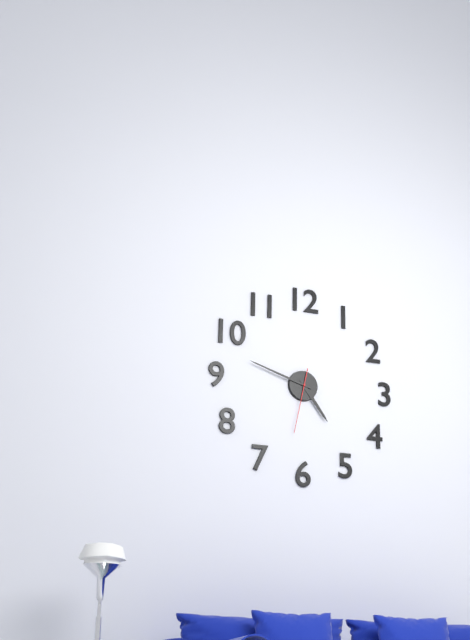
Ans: 4:48:32
